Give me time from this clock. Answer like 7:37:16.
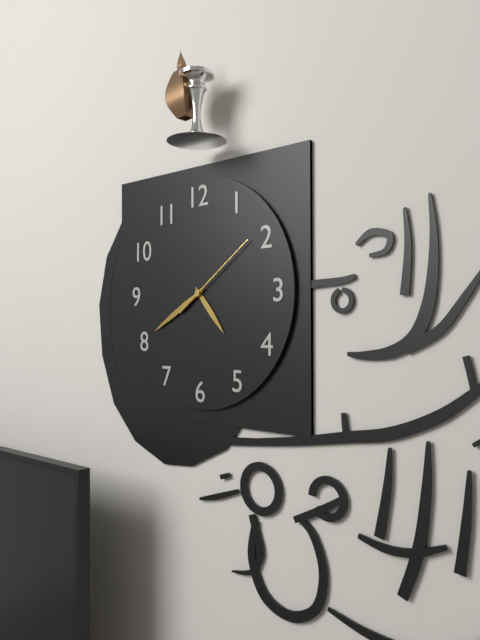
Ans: 4:40:09
